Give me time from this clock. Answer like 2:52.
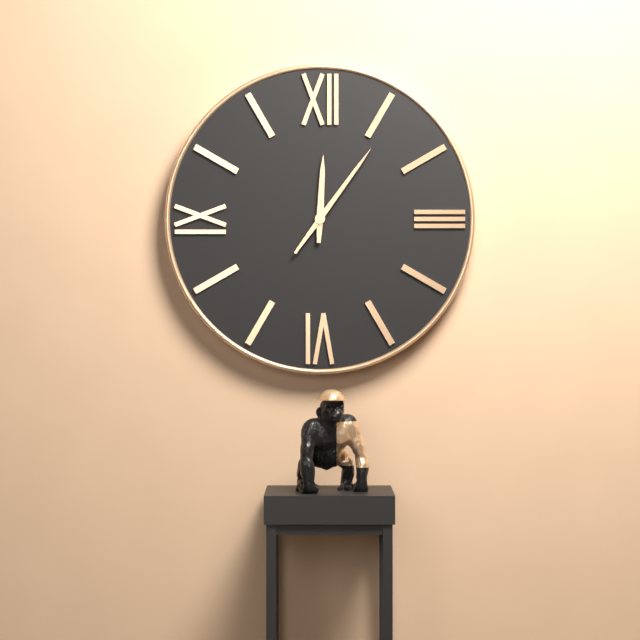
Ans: 12:06
